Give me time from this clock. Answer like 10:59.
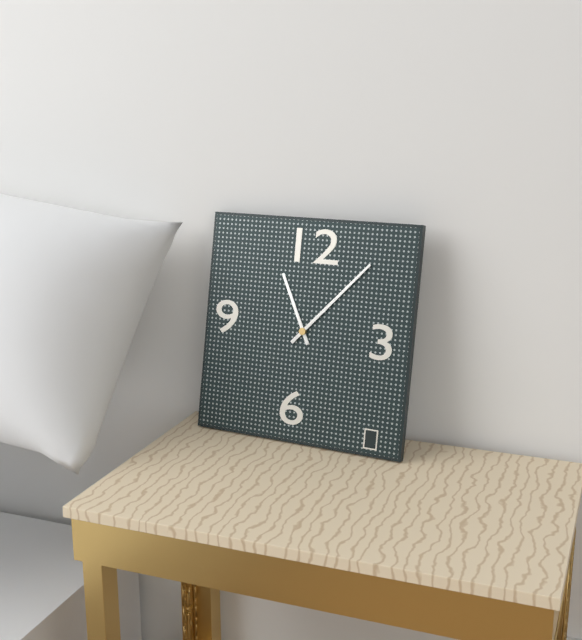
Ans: 11:07
